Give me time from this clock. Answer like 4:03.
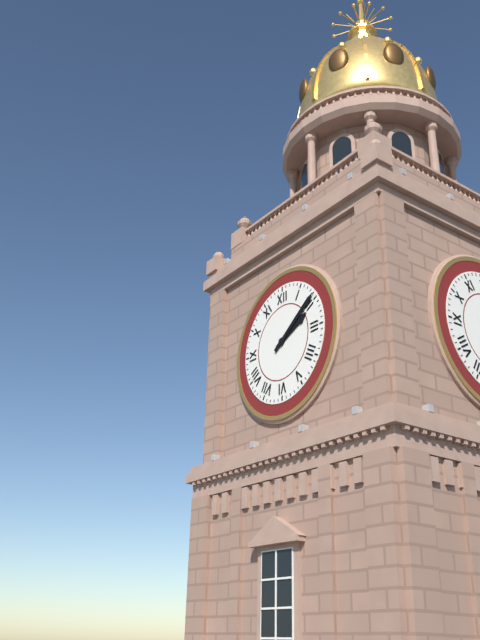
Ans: 2:09
